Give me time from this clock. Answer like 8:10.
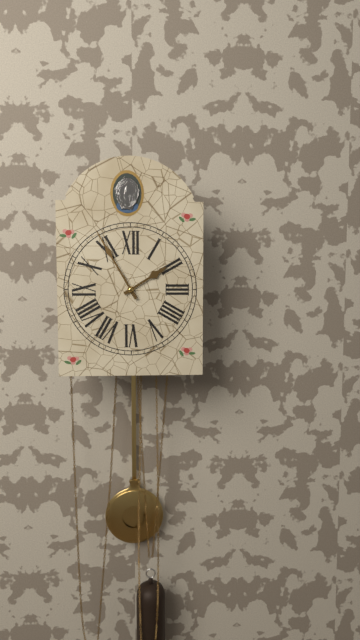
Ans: 1:55
